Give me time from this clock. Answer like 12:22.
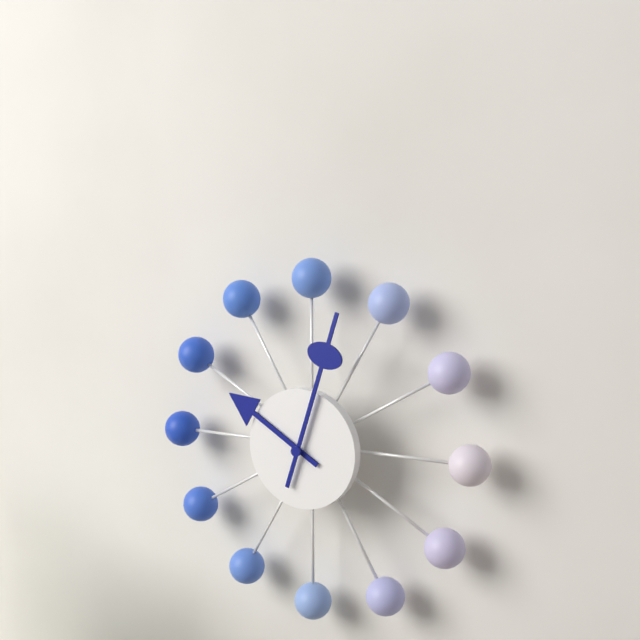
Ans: 10:03
